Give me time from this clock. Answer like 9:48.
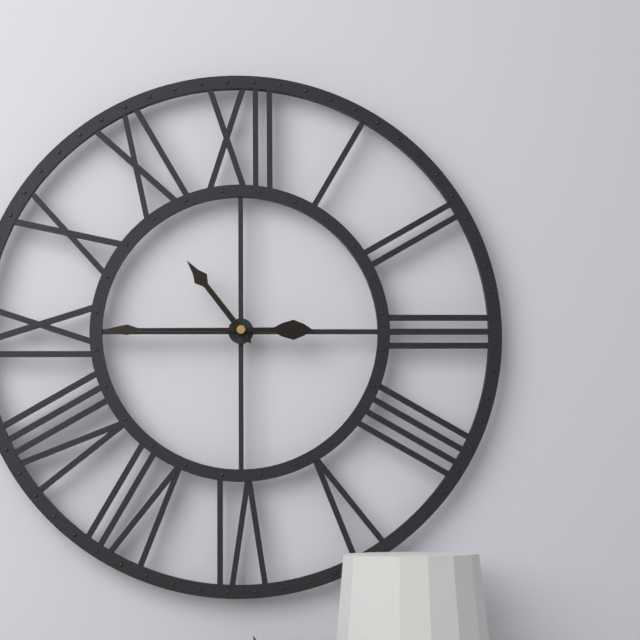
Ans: 10:45
